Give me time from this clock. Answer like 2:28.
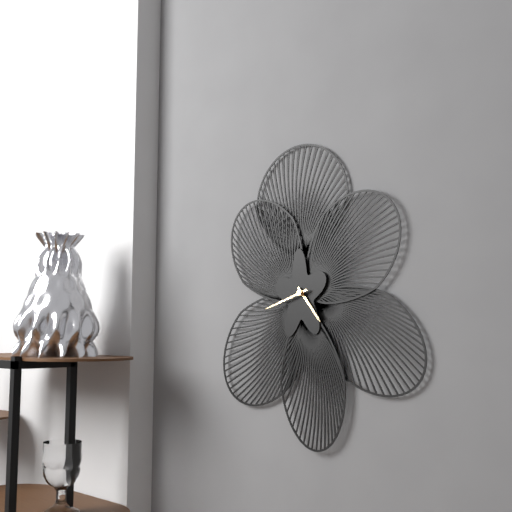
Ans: 4:42
